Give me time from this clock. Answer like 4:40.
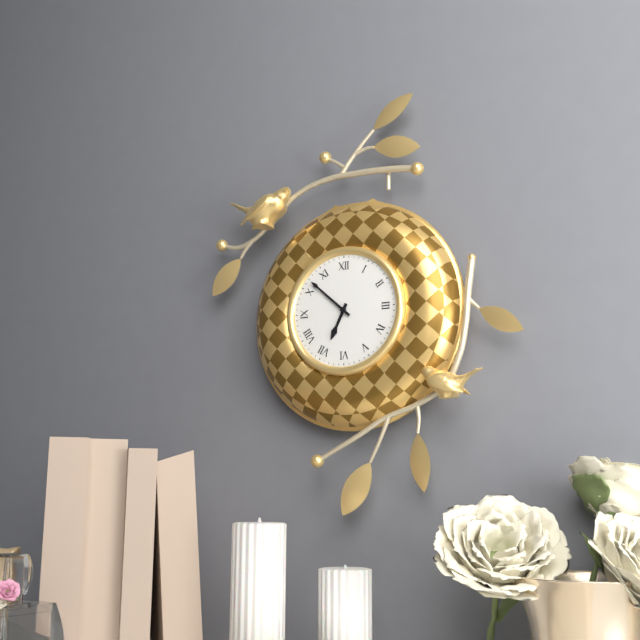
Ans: 6:52
